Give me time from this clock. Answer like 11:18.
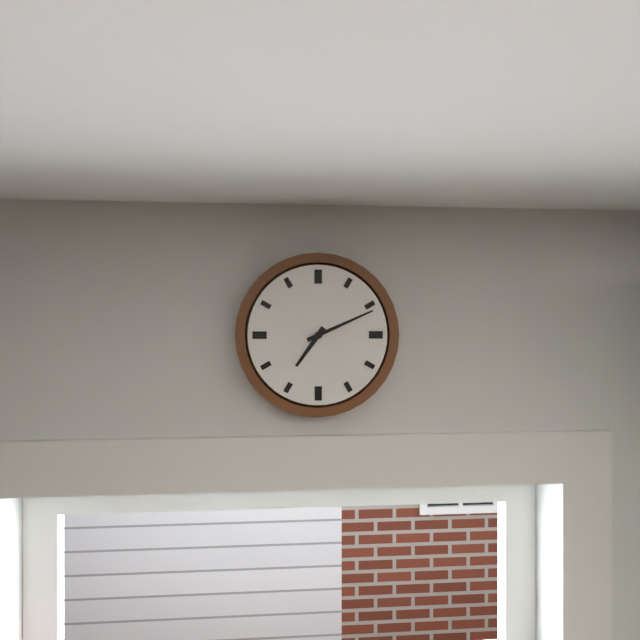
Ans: 7:11
